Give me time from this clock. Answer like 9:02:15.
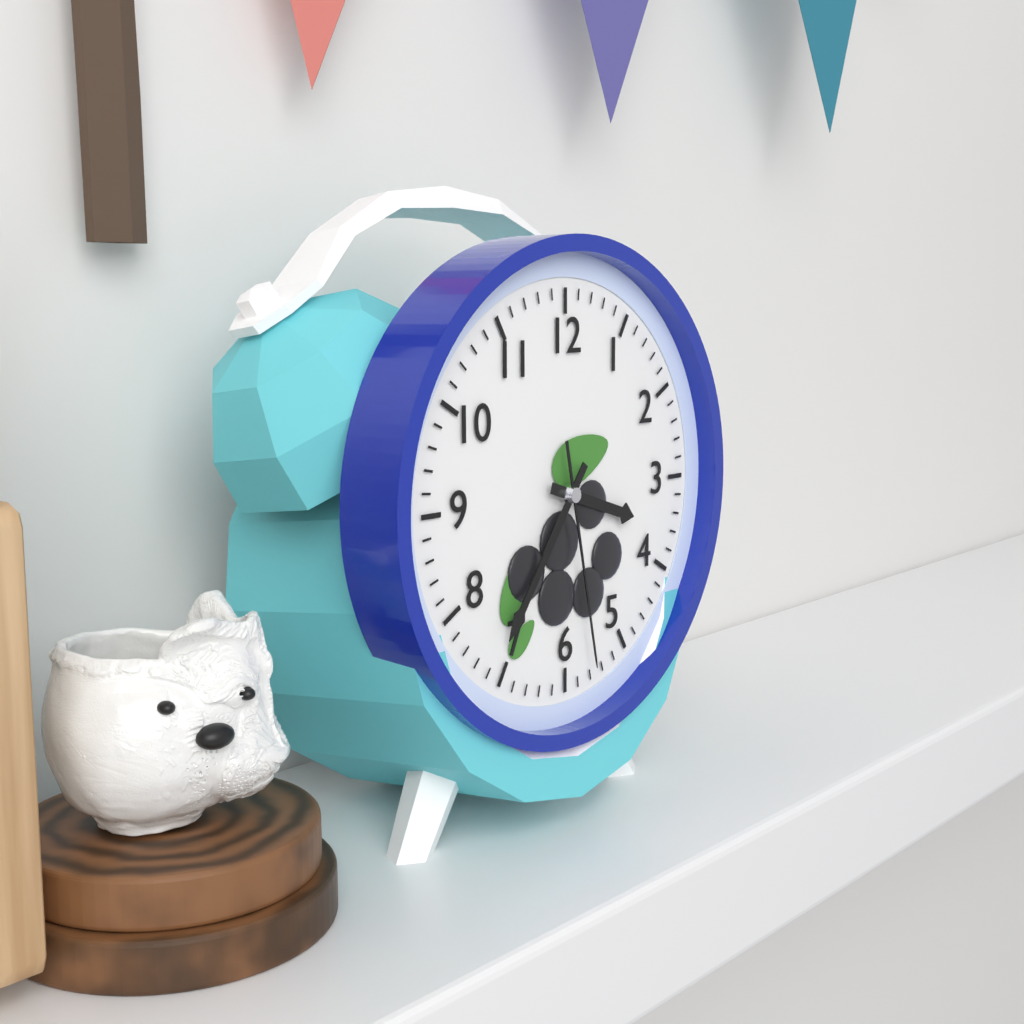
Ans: 3:36:28
